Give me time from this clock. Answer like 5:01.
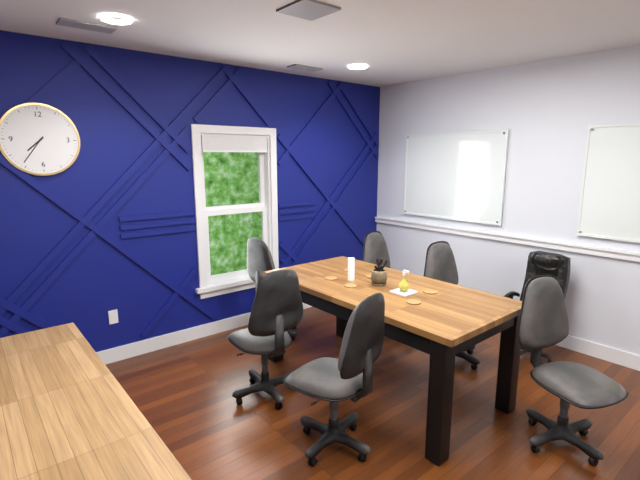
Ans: 7:36
